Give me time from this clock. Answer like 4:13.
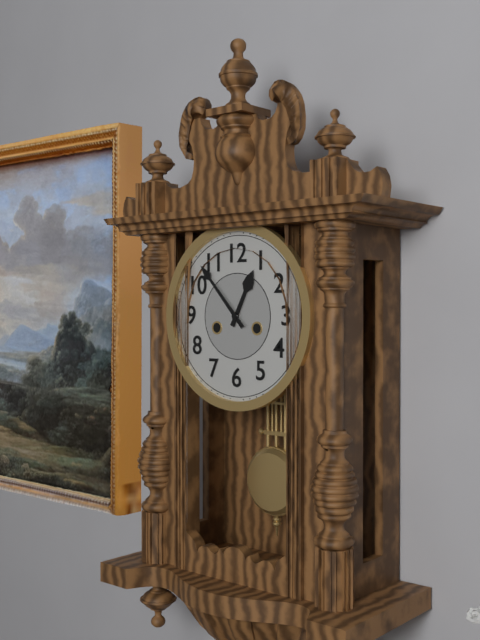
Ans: 12:53
